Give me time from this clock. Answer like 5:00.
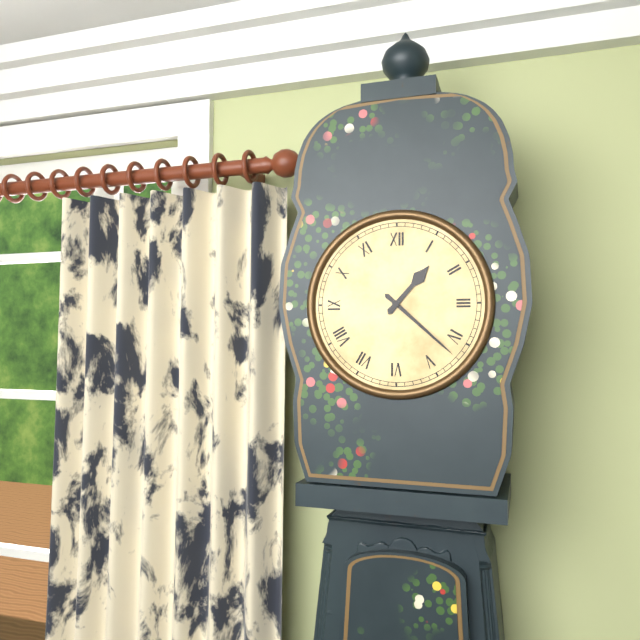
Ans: 1:22
